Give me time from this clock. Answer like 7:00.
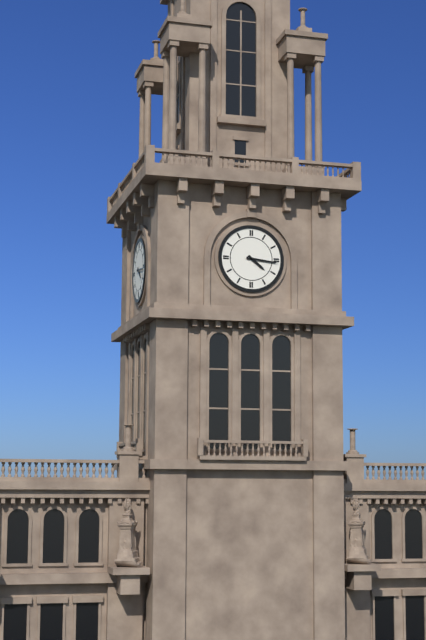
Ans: 4:16
